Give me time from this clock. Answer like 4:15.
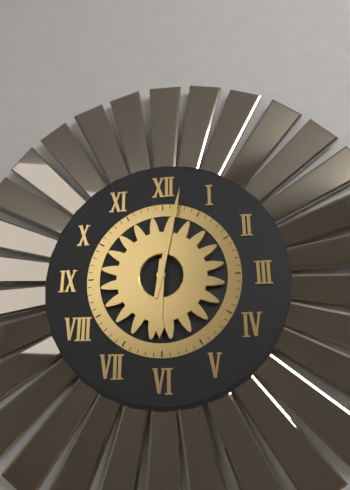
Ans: 6:02
